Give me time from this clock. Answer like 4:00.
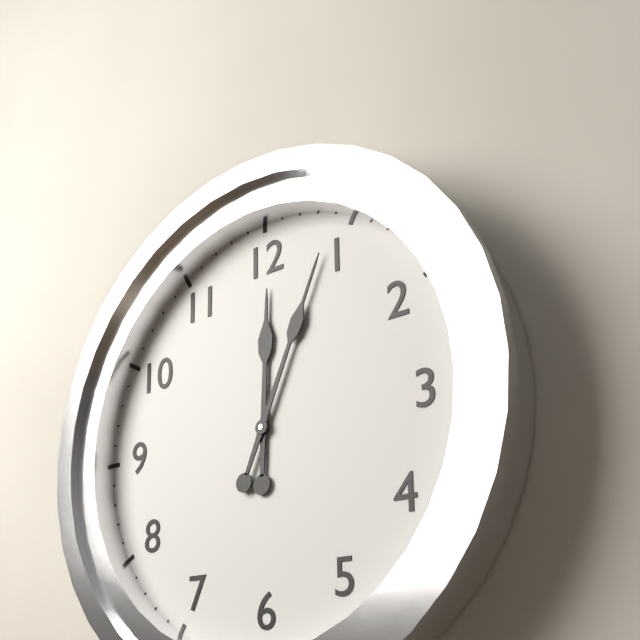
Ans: 12:04
